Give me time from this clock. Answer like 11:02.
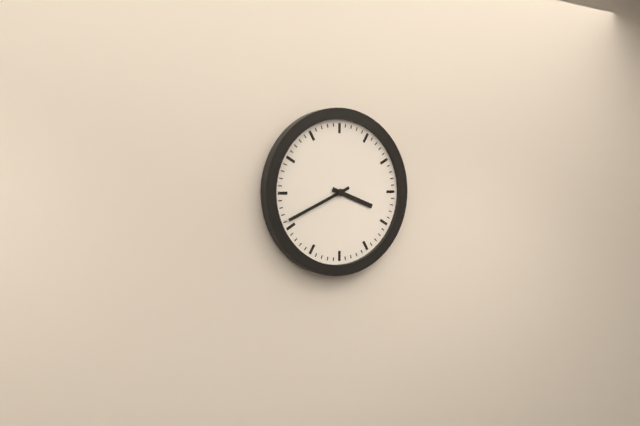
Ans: 3:41
